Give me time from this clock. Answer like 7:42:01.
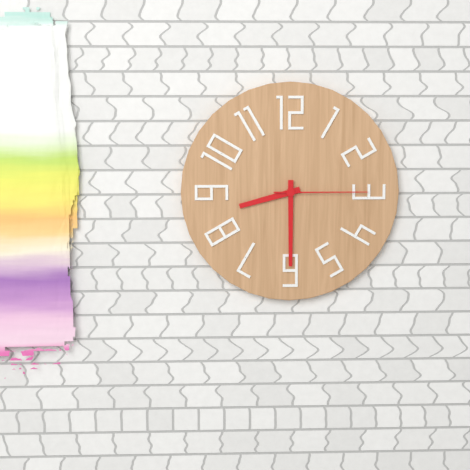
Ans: 8:30:15
